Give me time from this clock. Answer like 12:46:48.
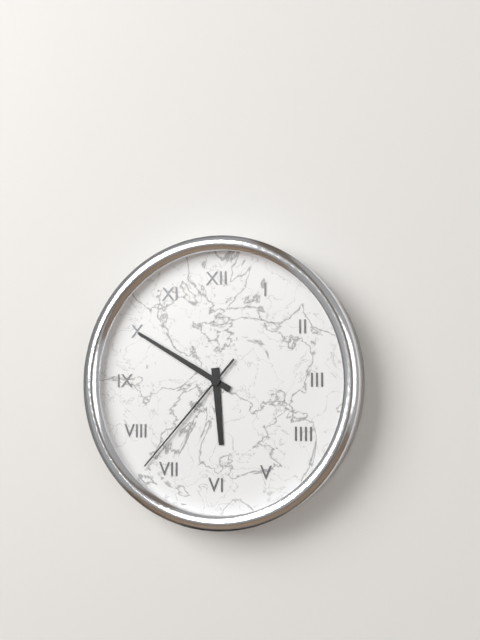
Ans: 5:50:37
